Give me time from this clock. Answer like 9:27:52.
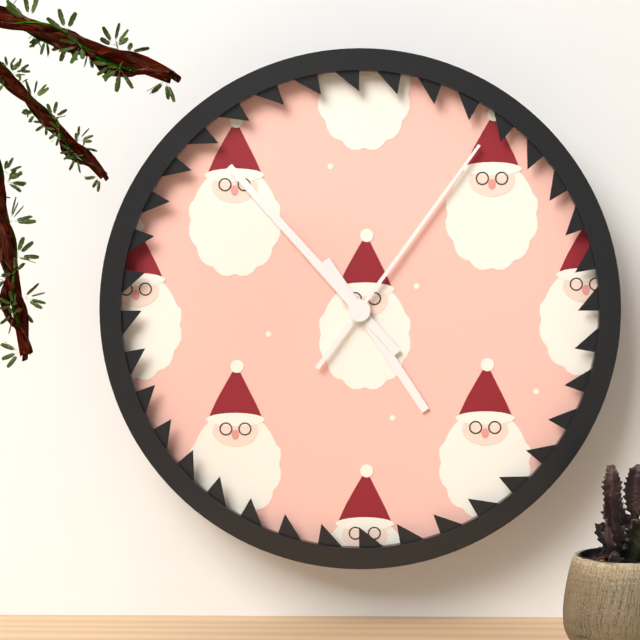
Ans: 4:53:06
